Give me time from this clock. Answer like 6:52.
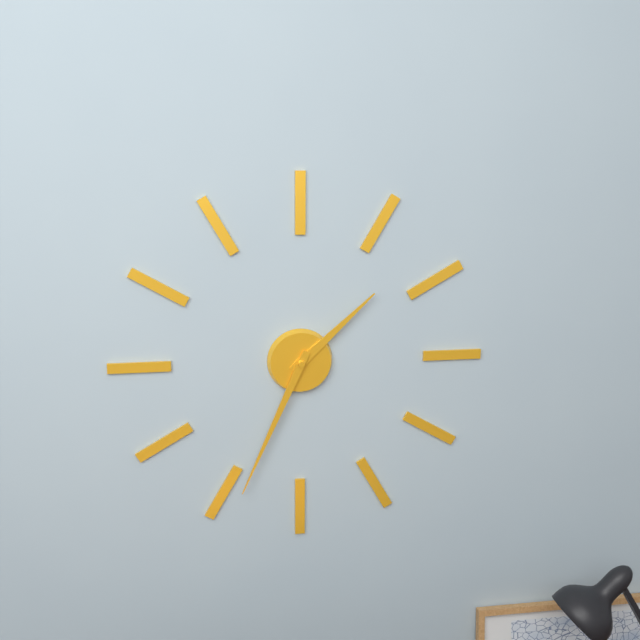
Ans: 1:34
